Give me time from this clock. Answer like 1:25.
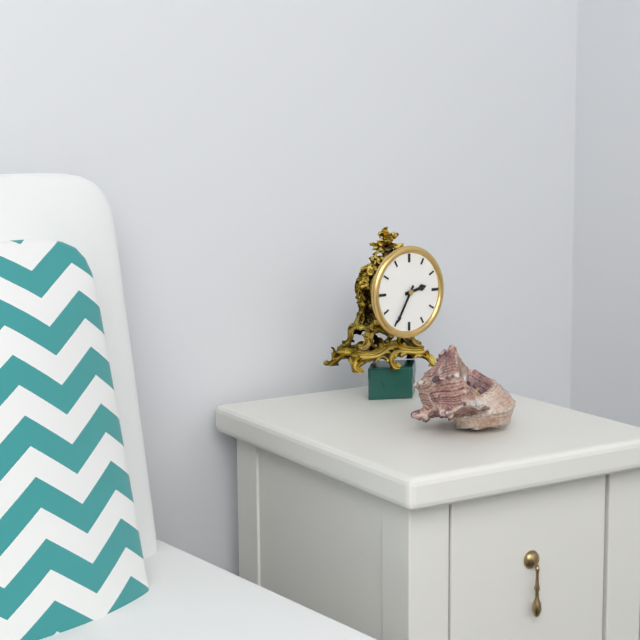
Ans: 2:35
